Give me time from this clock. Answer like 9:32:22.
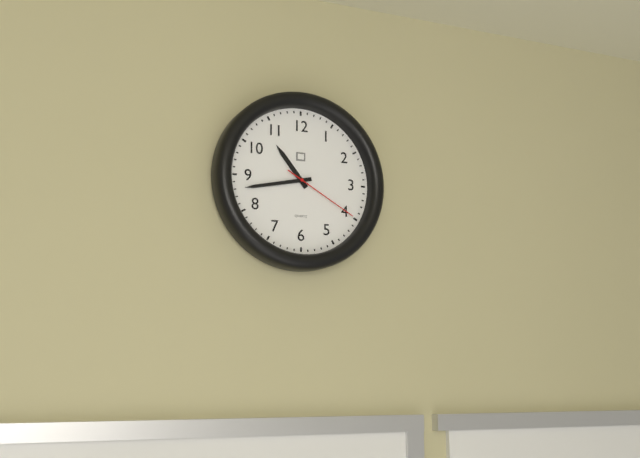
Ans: 10:43:20
